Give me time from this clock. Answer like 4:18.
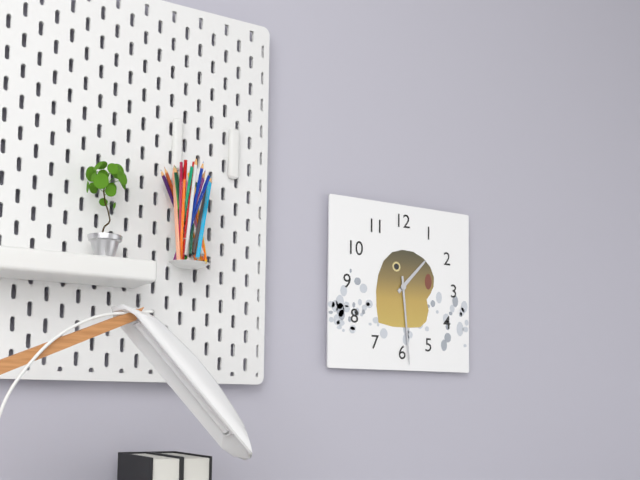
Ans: 1:29
